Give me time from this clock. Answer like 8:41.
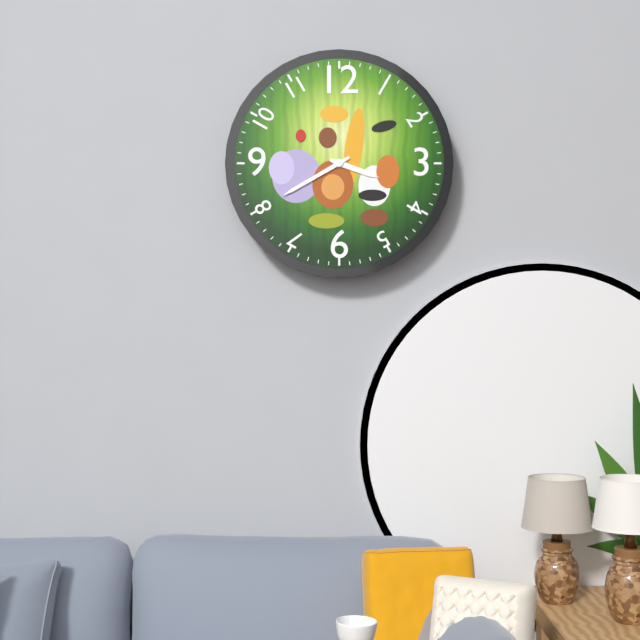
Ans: 3:40
